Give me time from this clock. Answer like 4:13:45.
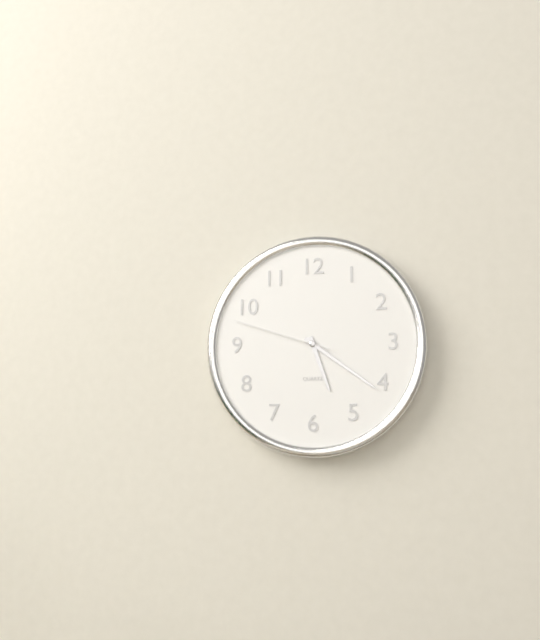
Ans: 5:21:48
